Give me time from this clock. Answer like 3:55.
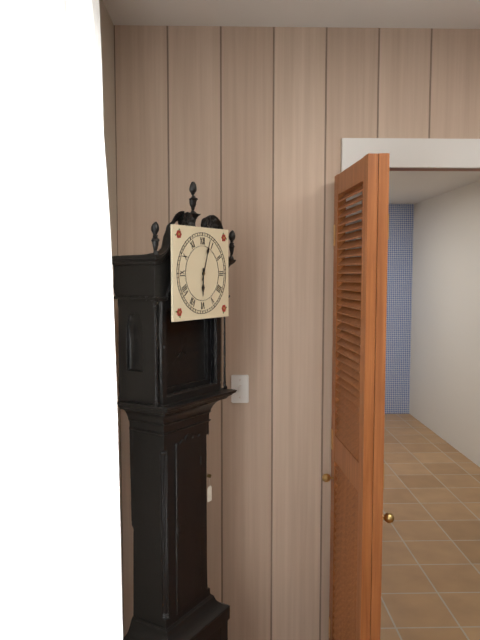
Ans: 6:03
